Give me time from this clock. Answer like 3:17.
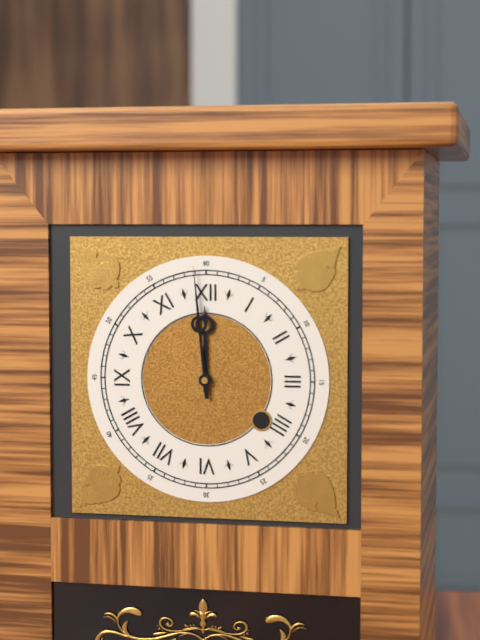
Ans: 11:59
